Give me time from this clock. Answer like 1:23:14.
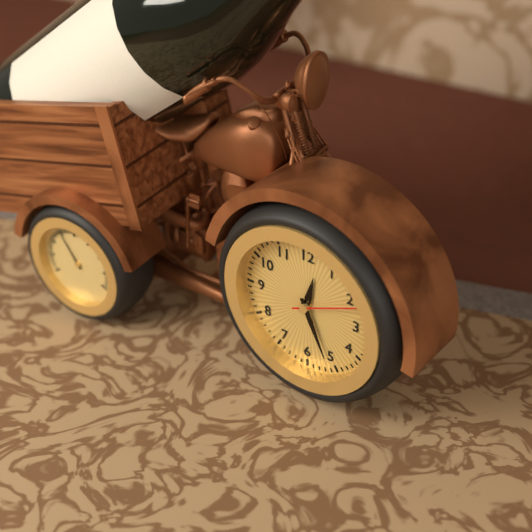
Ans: 12:26:11
